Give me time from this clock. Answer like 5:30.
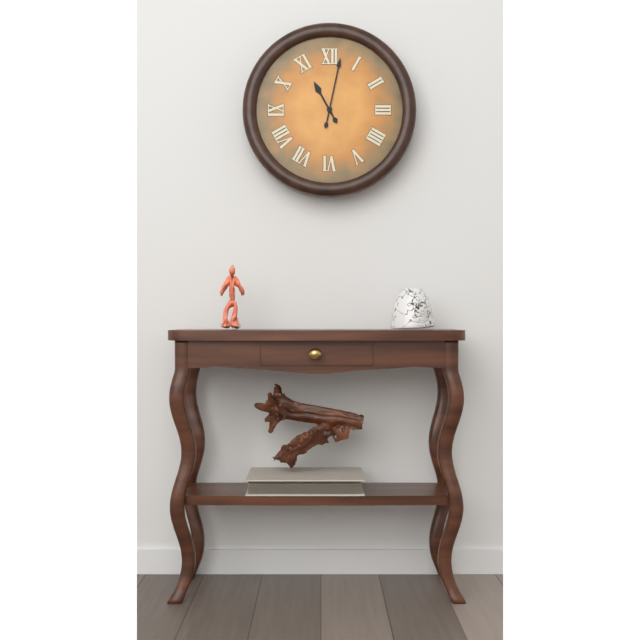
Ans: 11:02
